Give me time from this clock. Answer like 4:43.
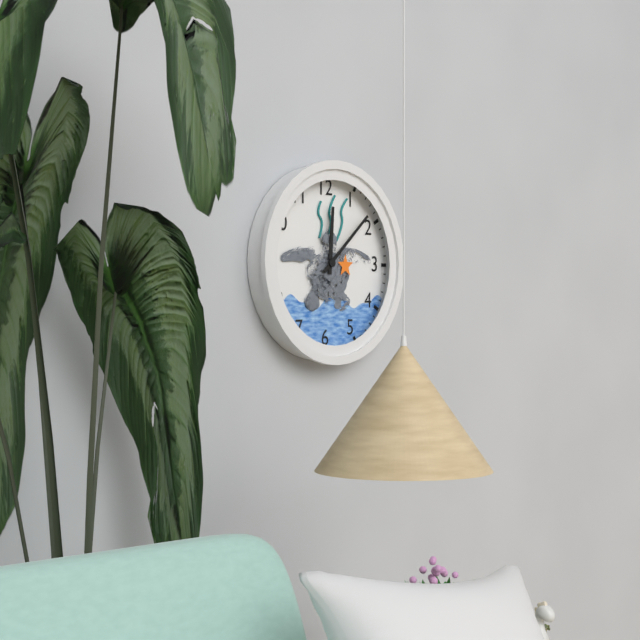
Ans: 12:08
